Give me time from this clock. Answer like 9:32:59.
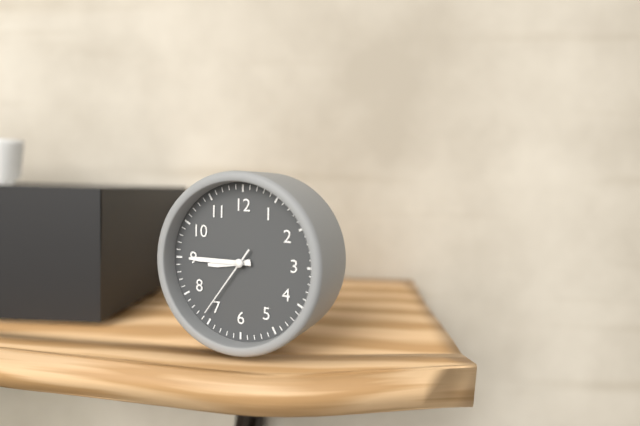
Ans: 8:45:36
